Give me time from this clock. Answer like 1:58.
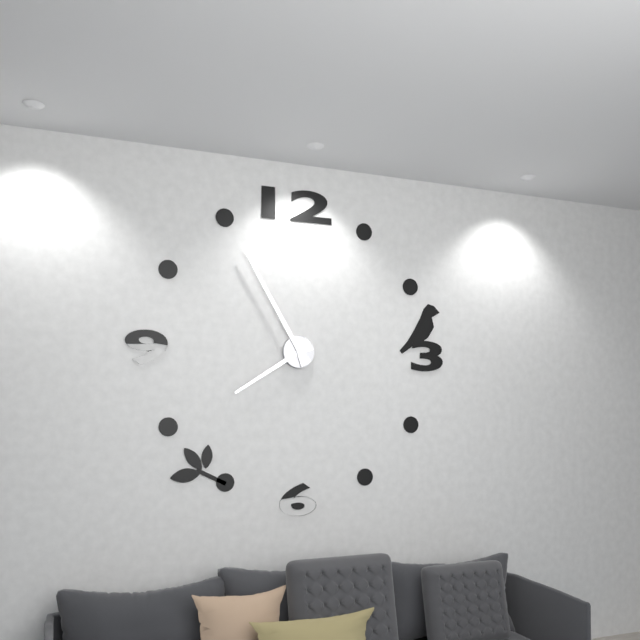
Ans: 7:55
